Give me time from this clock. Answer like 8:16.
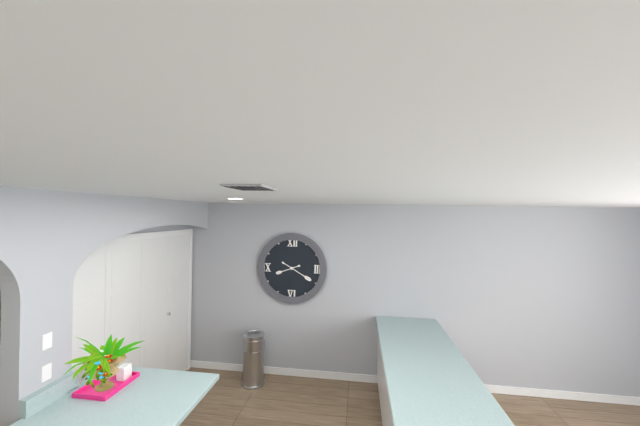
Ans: 8:20
